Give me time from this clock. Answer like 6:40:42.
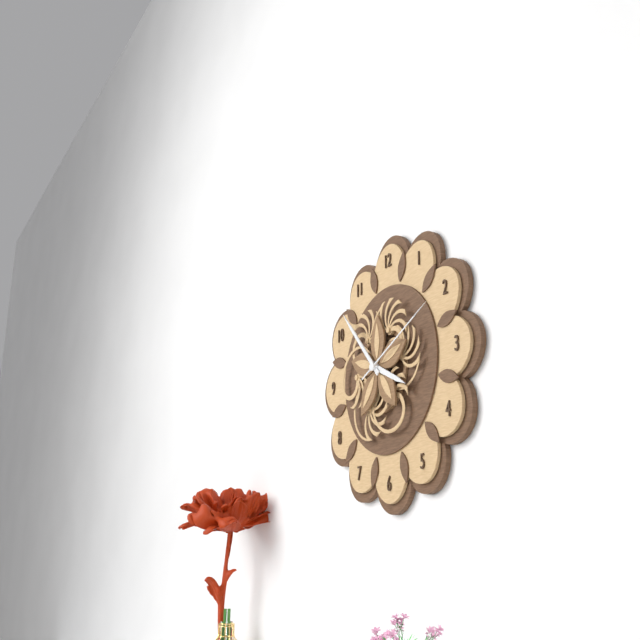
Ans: 3:53:11
